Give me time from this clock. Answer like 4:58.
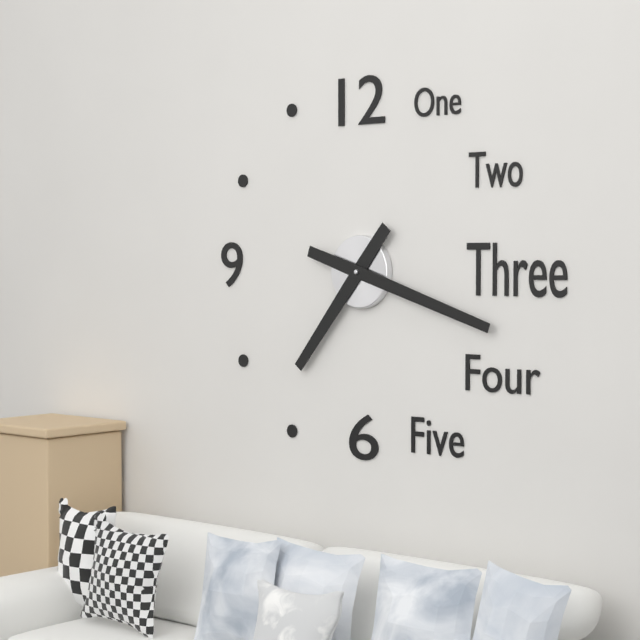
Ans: 7:18
